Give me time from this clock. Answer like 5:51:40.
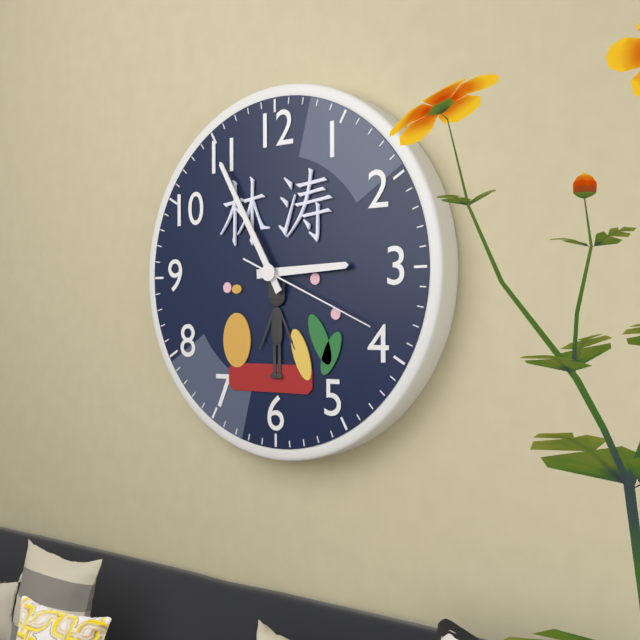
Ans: 2:55:19
